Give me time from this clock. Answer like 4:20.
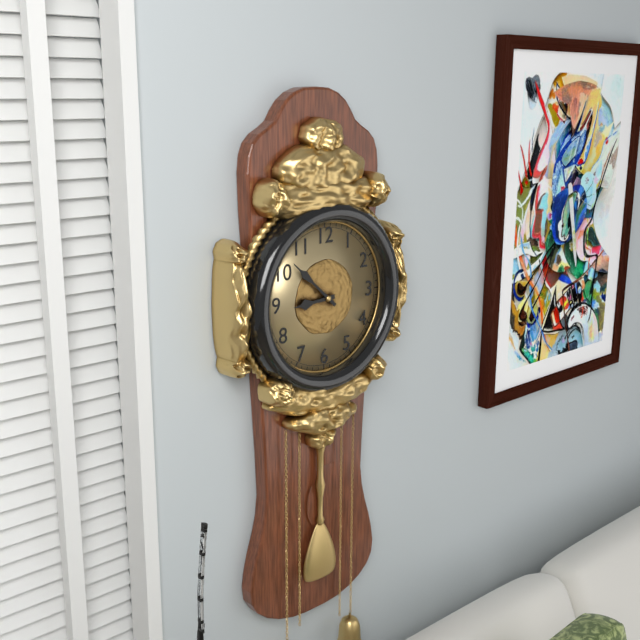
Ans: 8:52
